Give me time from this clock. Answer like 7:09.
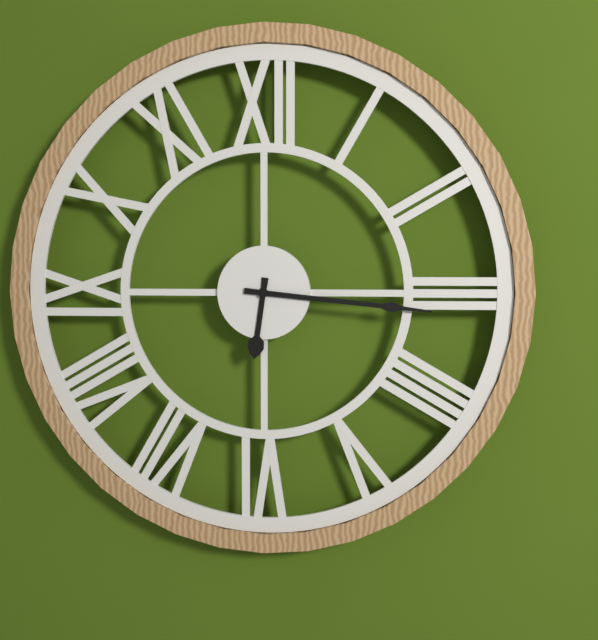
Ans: 6:16
